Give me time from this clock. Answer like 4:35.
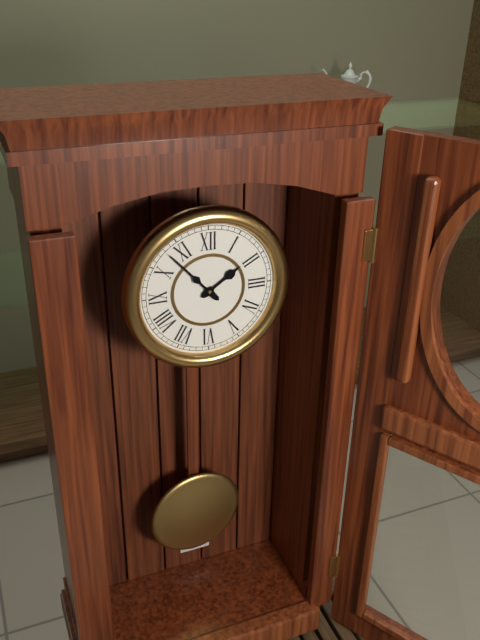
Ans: 1:53
